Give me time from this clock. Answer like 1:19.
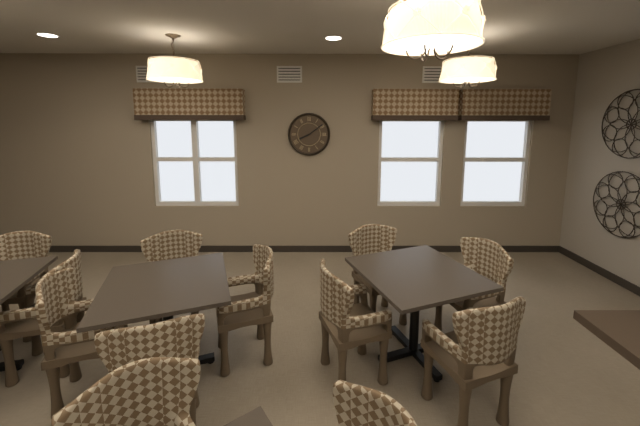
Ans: 8:09
